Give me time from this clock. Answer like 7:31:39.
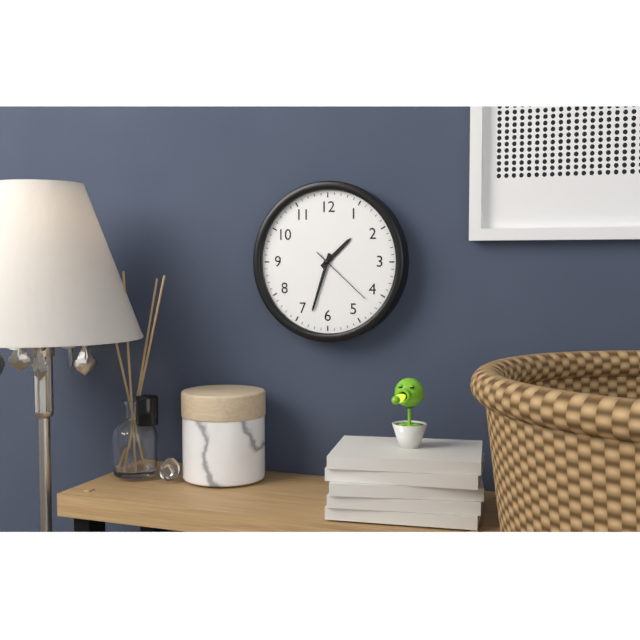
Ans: 1:33:22
